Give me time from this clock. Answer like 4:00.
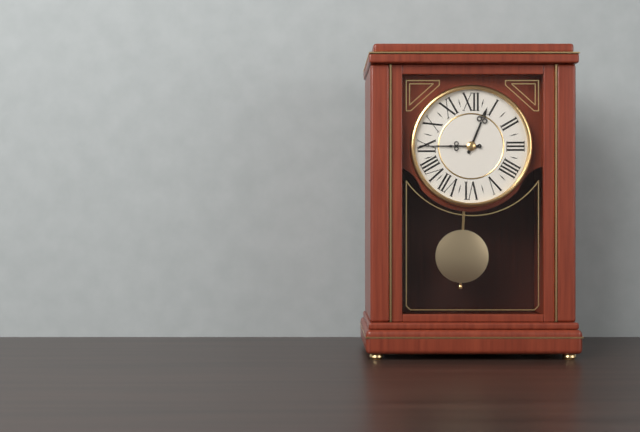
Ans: 12:45
